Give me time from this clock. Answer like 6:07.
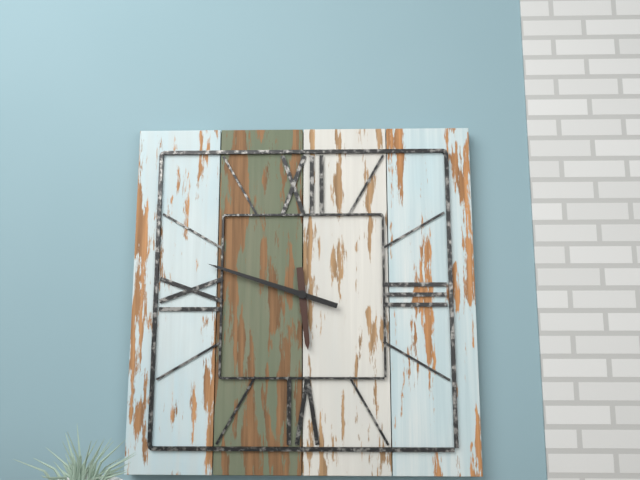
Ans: 5:48
